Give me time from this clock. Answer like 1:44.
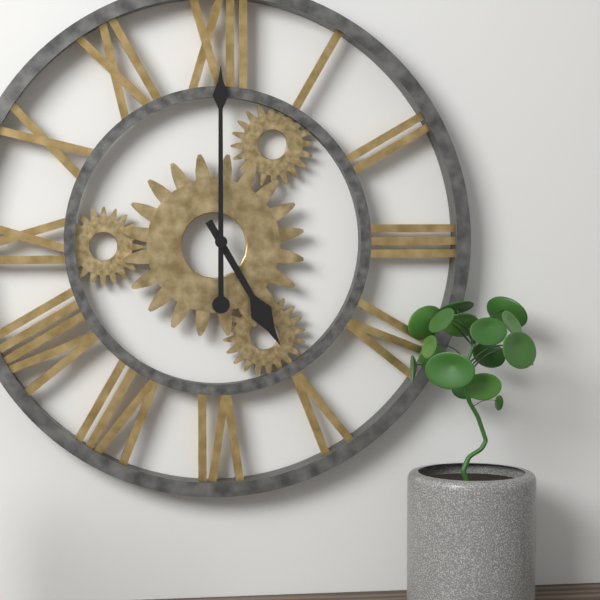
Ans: 5:00
